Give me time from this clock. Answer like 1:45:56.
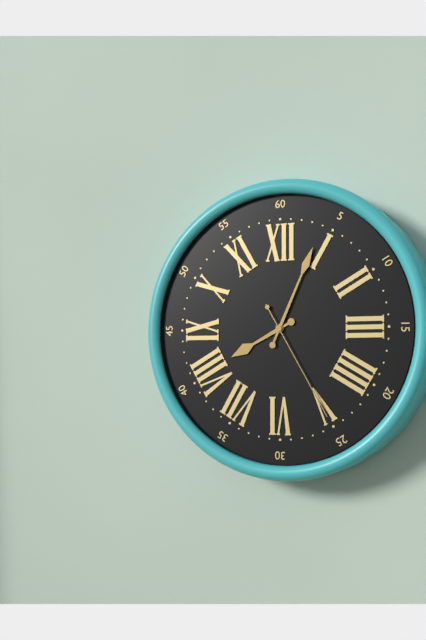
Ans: 8:04:25
